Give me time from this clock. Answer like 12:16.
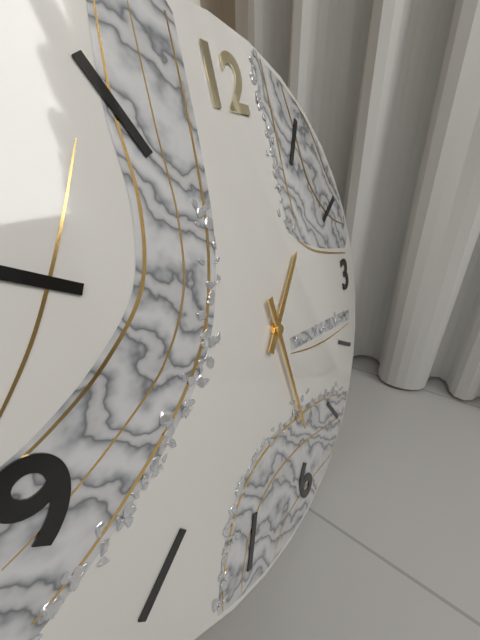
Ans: 1:29
